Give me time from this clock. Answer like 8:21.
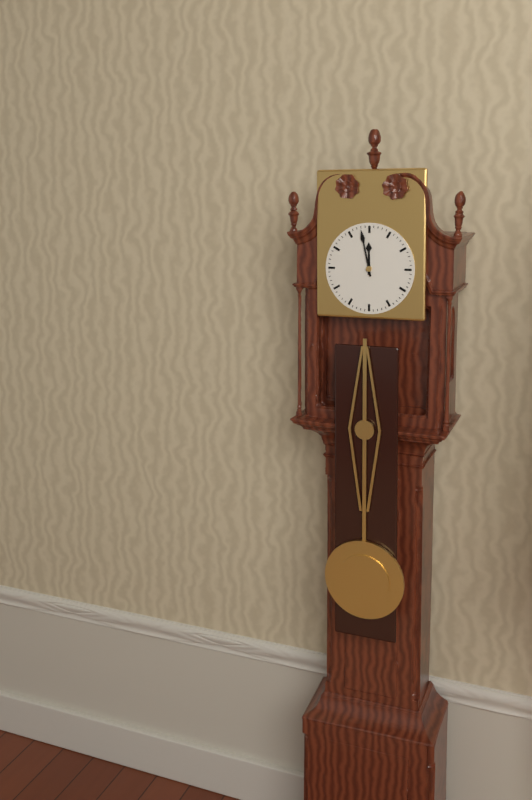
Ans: 11:58
